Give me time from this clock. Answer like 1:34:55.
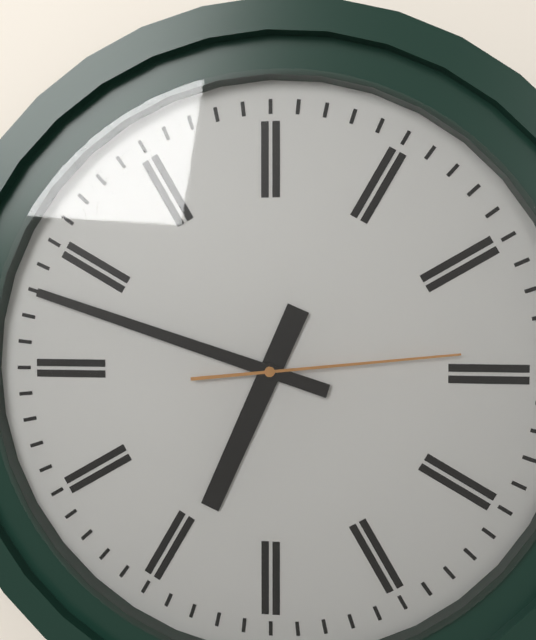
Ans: 6:48:14
